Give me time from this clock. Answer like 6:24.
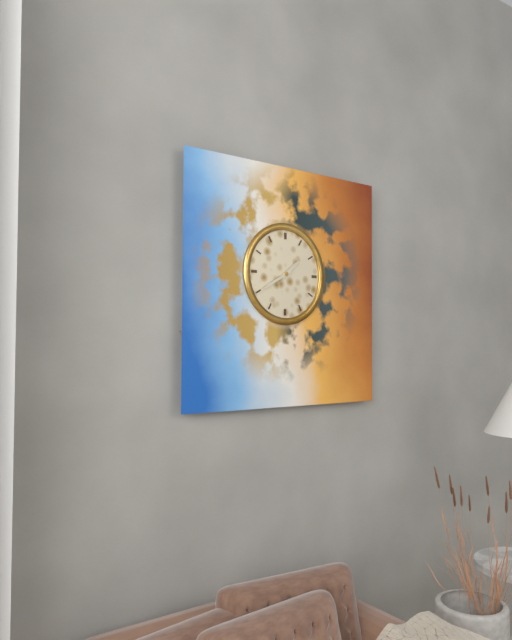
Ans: 1:40
